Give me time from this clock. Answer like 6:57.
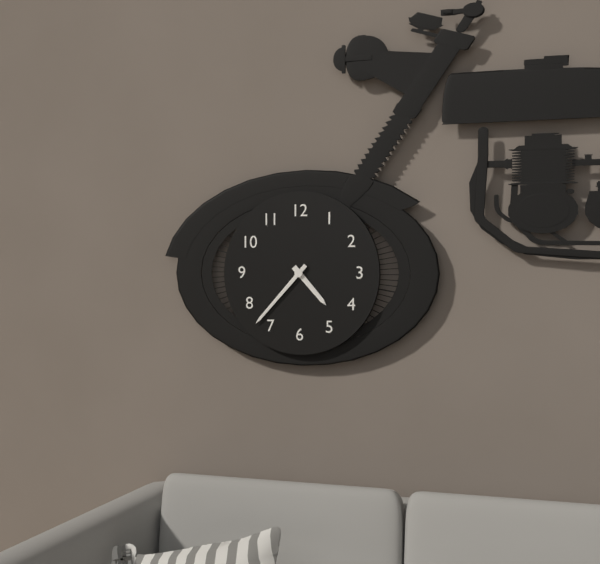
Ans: 4:37
